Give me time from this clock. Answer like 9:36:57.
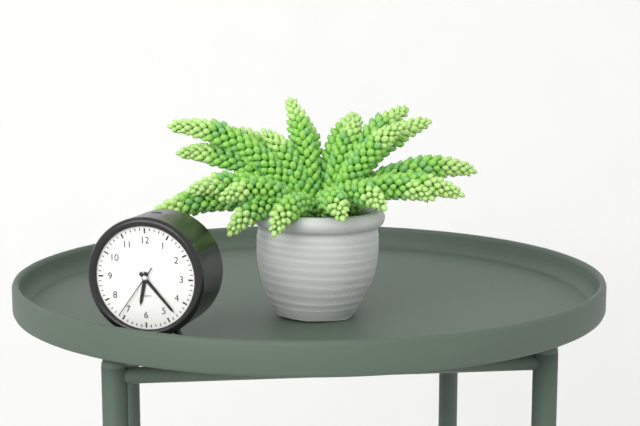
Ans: 6:23:36
